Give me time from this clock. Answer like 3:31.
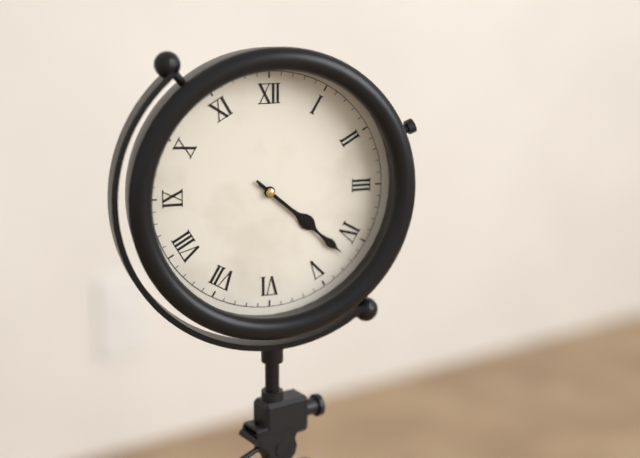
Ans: 4:22
